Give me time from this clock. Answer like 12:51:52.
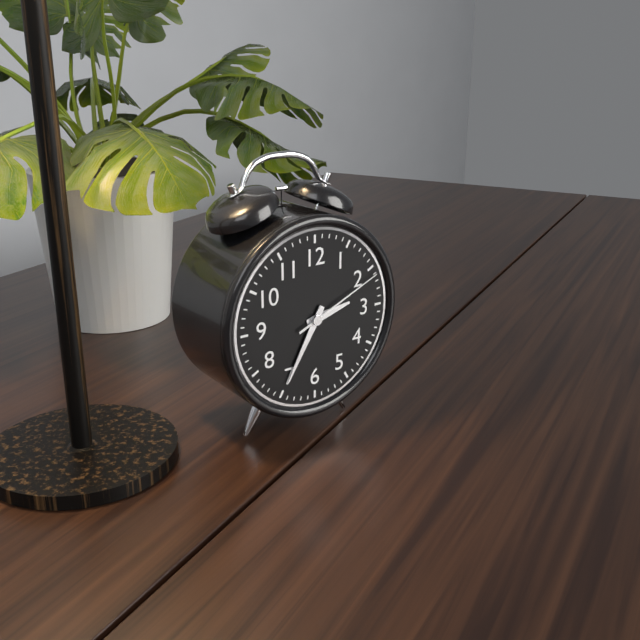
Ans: 2:35:11
